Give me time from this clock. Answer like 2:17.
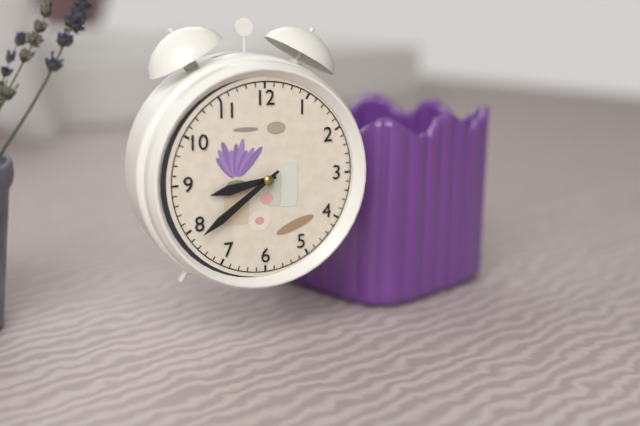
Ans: 8:39
